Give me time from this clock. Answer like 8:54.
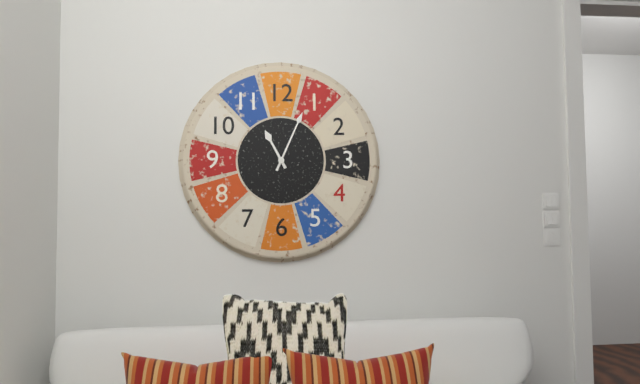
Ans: 11:04
